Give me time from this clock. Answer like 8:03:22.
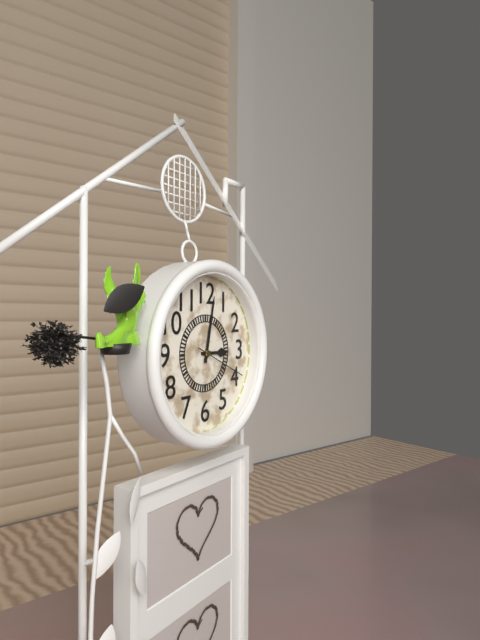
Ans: 3:02:19
